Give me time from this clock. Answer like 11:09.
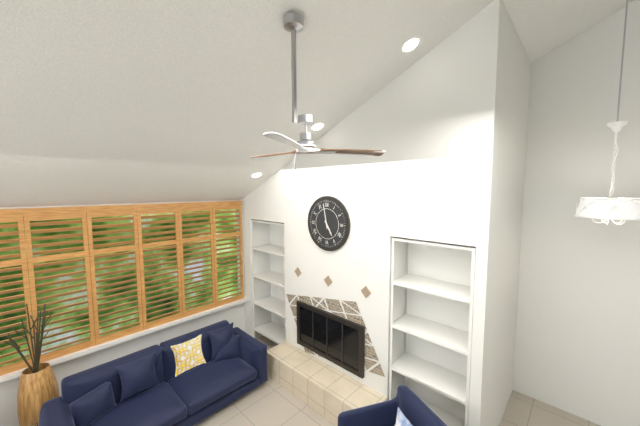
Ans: 4:58
